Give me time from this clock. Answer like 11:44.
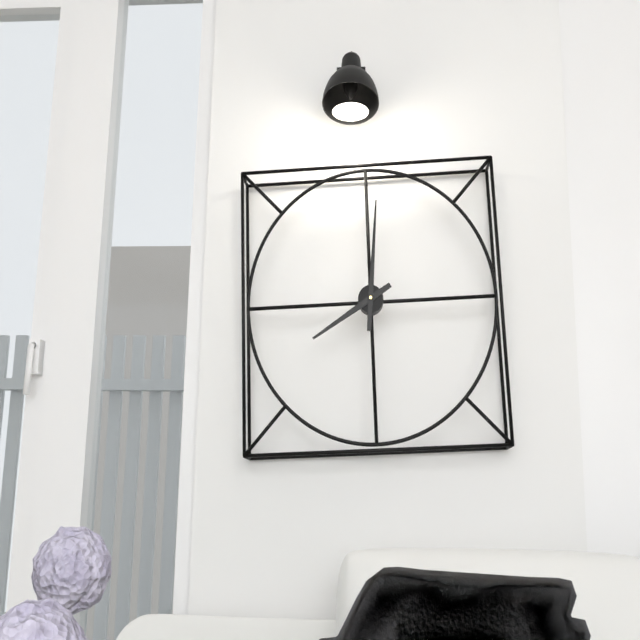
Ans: 8:01
